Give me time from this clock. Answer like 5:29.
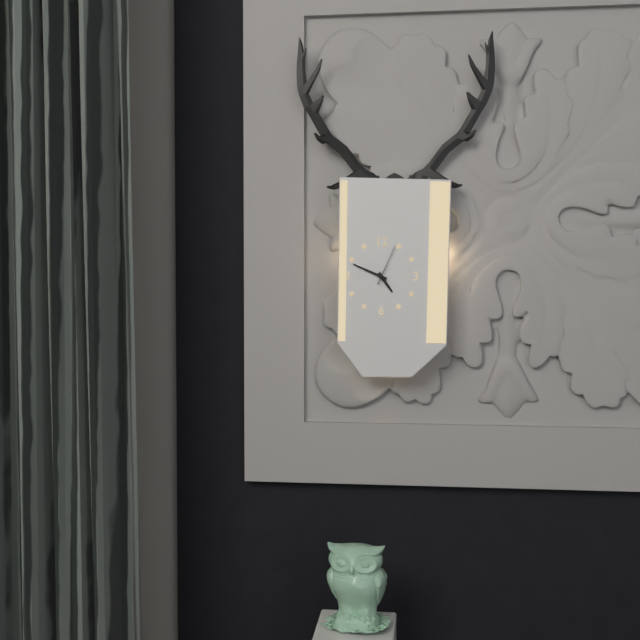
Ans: 4:49
